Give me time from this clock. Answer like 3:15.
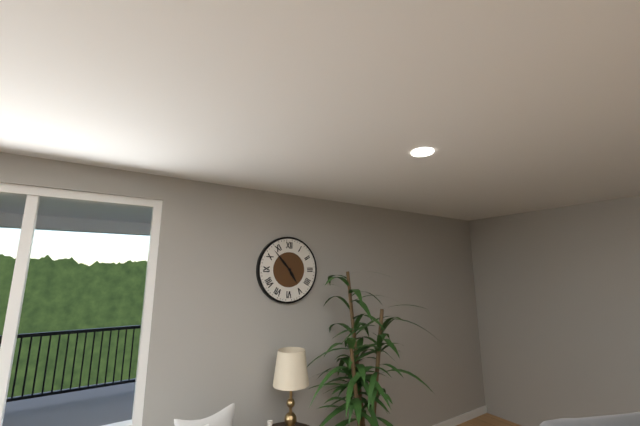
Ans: 4:53
